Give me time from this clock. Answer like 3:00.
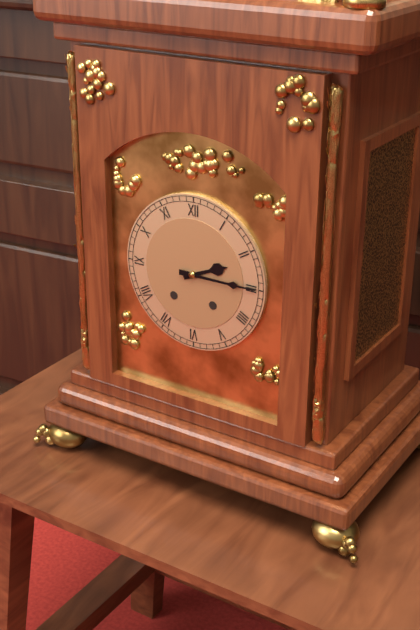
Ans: 2:15
